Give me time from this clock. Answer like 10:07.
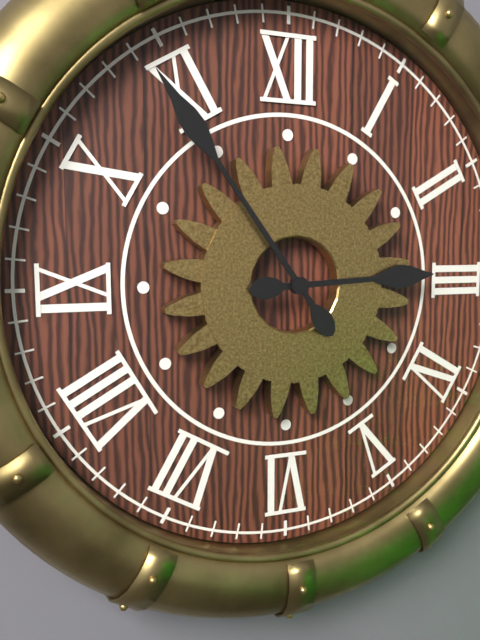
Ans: 2:54
